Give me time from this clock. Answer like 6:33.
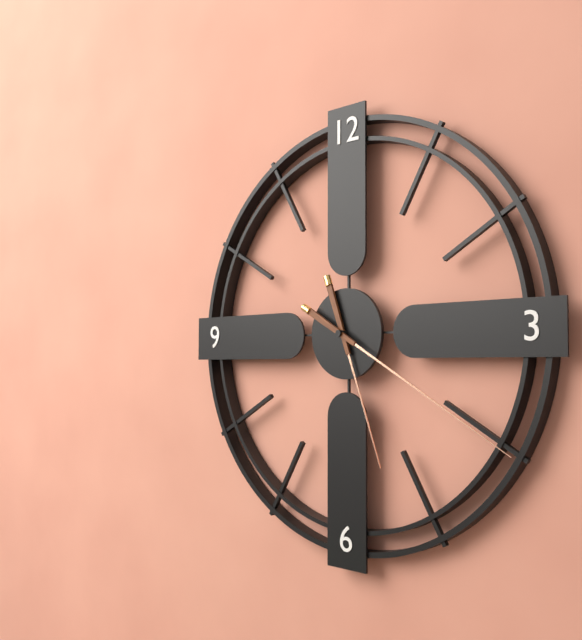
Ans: 5:20
